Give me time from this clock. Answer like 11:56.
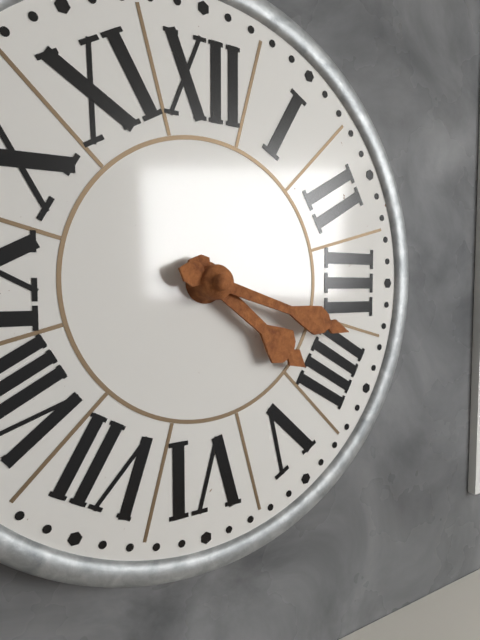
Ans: 4:18
